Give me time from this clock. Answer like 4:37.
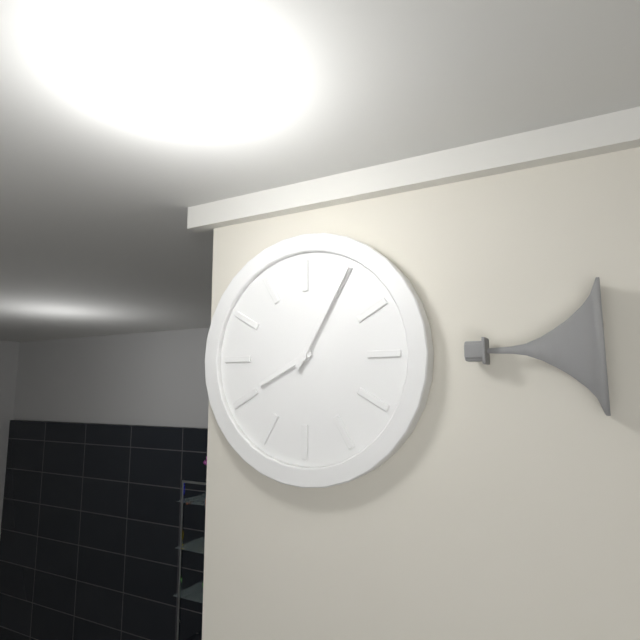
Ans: 8:05
